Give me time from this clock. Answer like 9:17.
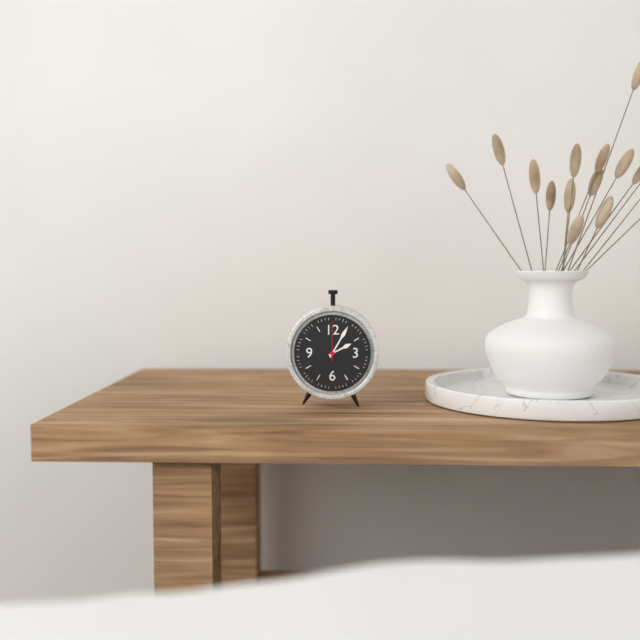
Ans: 2:05
